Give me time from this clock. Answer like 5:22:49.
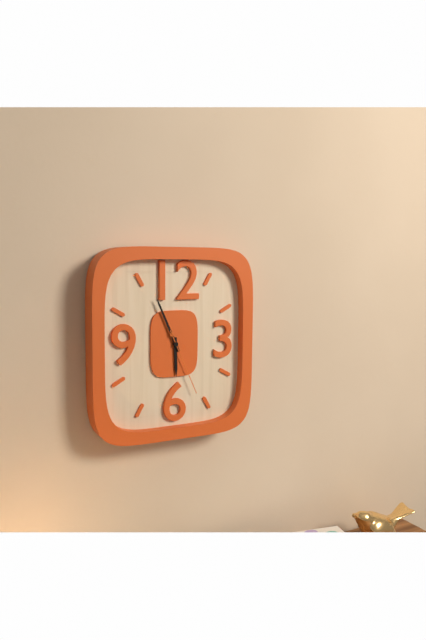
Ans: 5:56:26
